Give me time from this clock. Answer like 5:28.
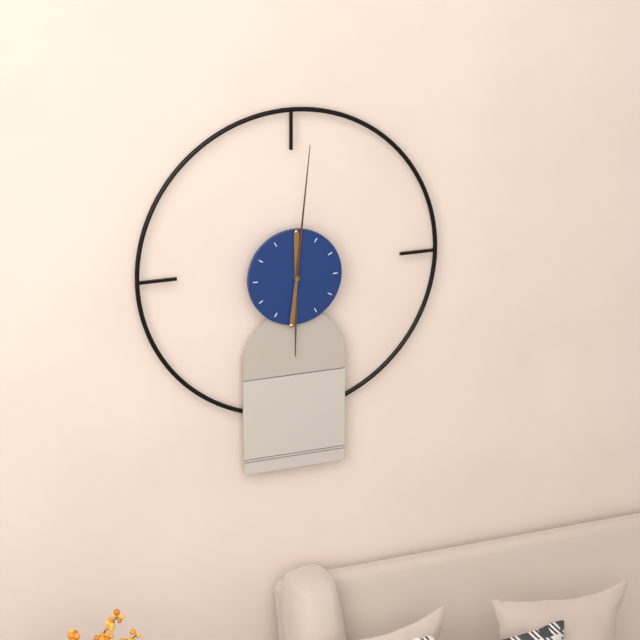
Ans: 6:01
